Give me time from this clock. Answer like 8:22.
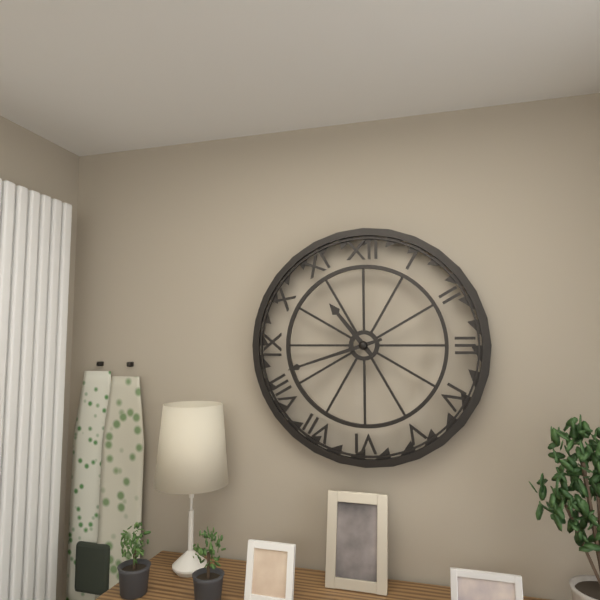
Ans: 10:42
